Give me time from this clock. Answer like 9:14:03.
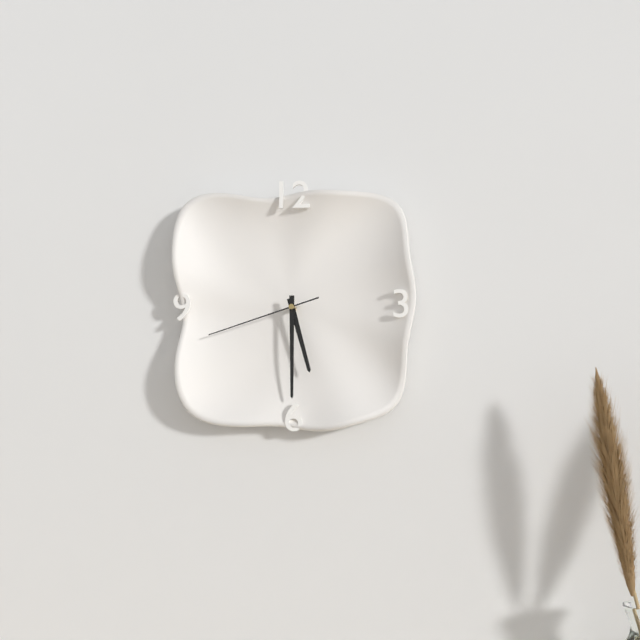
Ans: 5:30:42
